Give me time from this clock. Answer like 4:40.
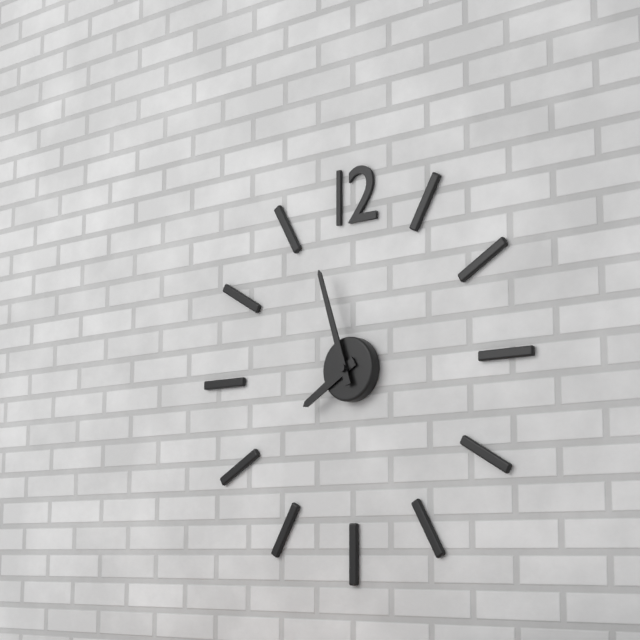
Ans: 7:57
